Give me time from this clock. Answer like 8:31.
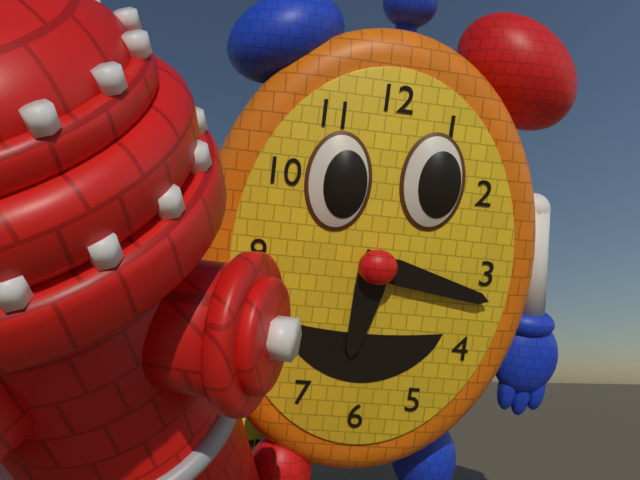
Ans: 6:17
